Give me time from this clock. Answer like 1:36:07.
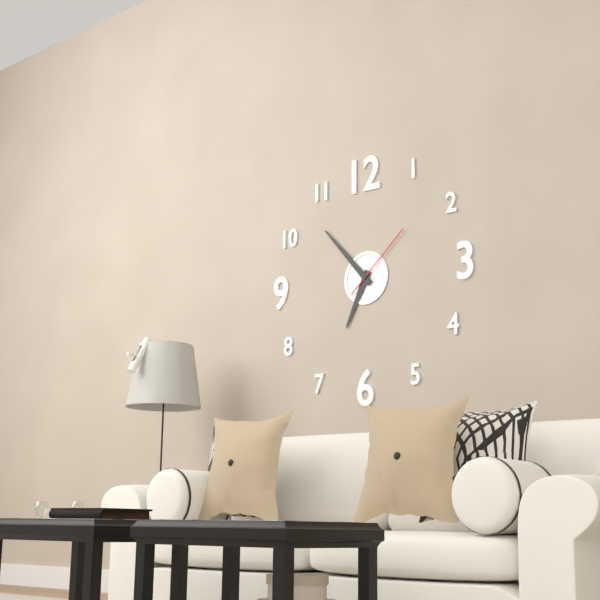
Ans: 6:53:08
